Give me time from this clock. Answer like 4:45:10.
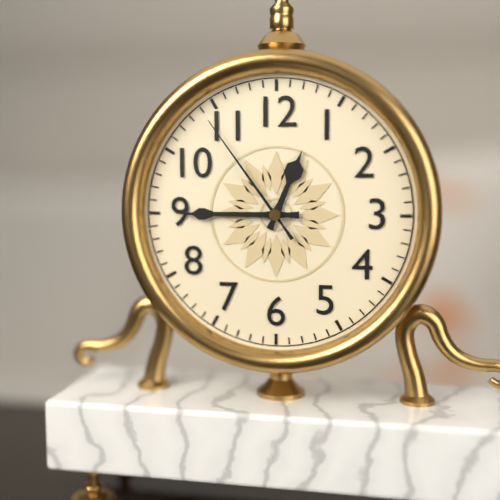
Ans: 12:45:54
